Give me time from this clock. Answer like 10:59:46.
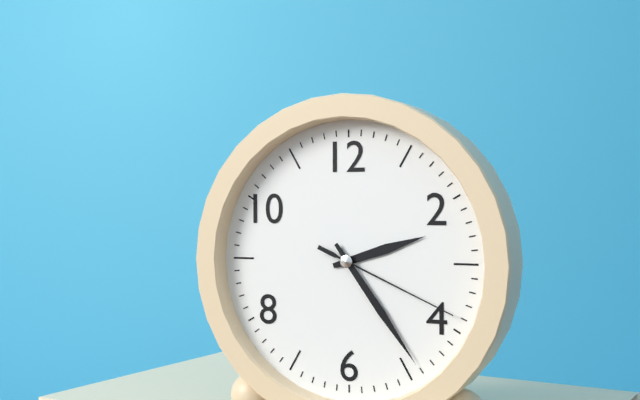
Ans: 2:24:19
